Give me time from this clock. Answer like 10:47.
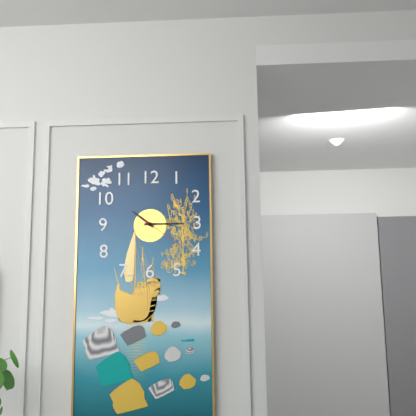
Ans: 10:15
